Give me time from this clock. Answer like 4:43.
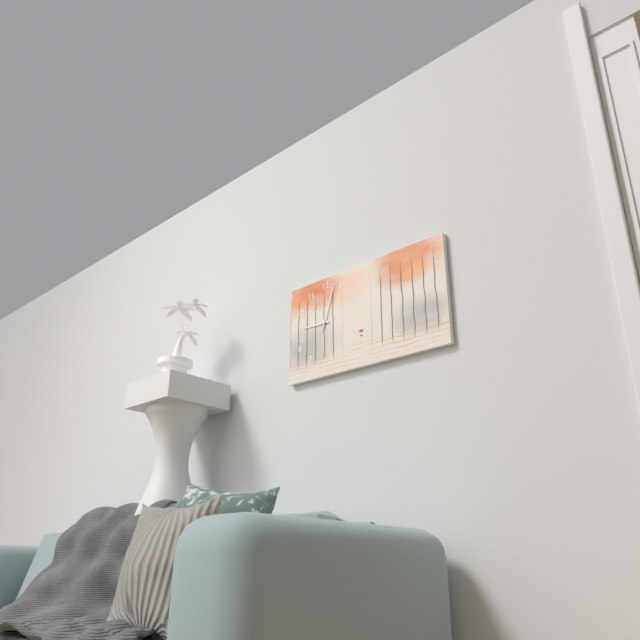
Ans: 9:03
